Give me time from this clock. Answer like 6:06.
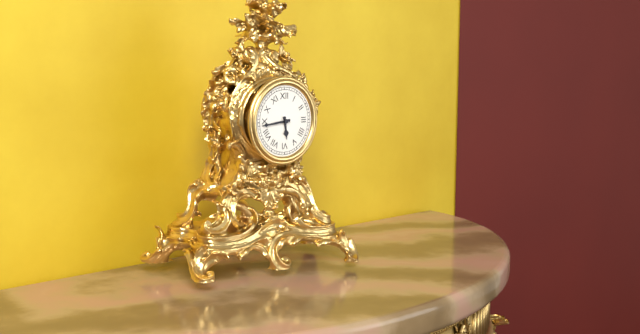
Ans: 5:44
